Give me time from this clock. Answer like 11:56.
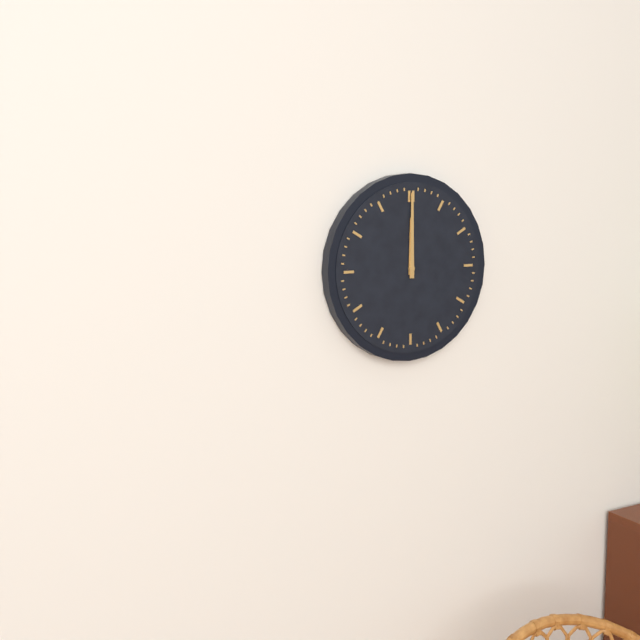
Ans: 12:00
